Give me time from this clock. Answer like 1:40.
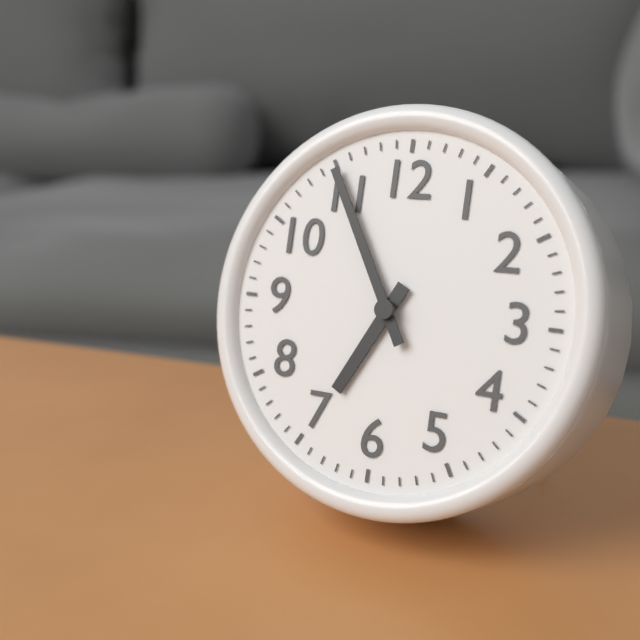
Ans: 6:55
